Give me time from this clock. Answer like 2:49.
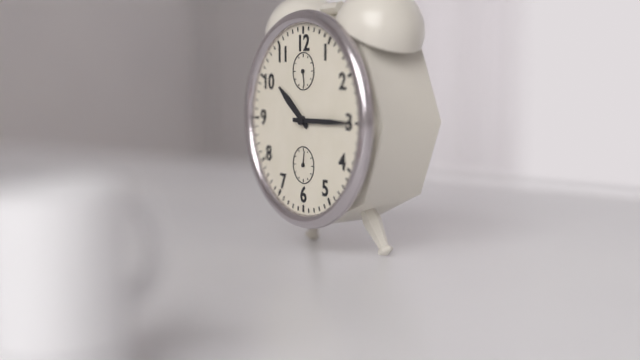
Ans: 10:15
